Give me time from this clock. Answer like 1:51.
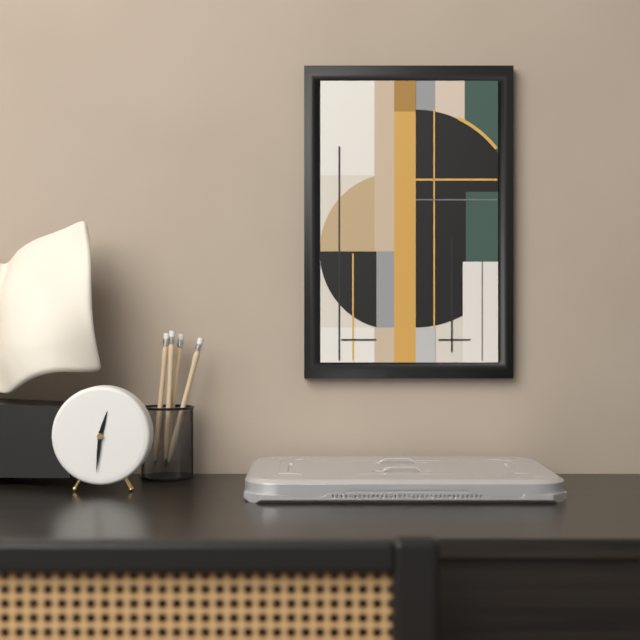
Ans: 12:31
